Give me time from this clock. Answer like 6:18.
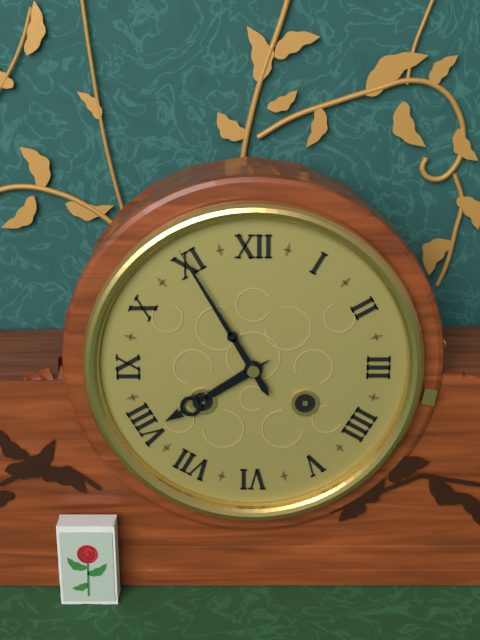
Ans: 7:55
